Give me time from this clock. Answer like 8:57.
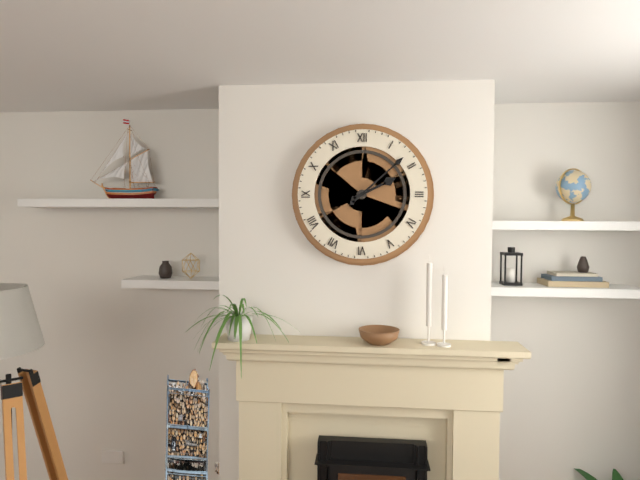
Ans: 2:08
